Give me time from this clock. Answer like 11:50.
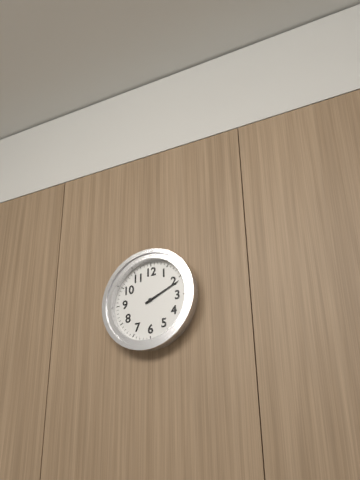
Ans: 2:11
